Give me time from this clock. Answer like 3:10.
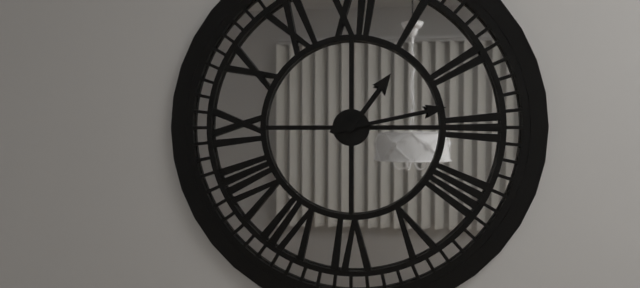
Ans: 1:13
